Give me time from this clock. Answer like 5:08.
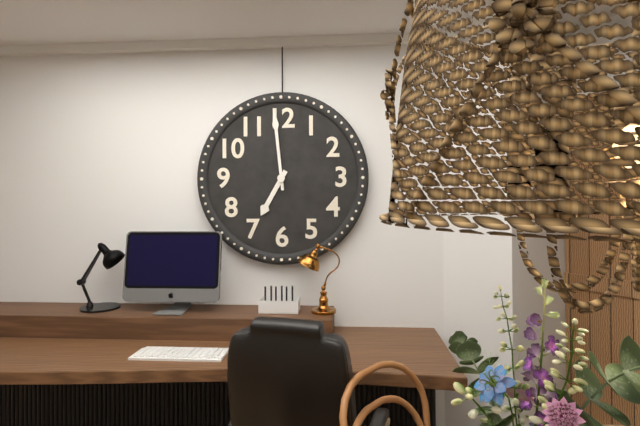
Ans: 6:59
